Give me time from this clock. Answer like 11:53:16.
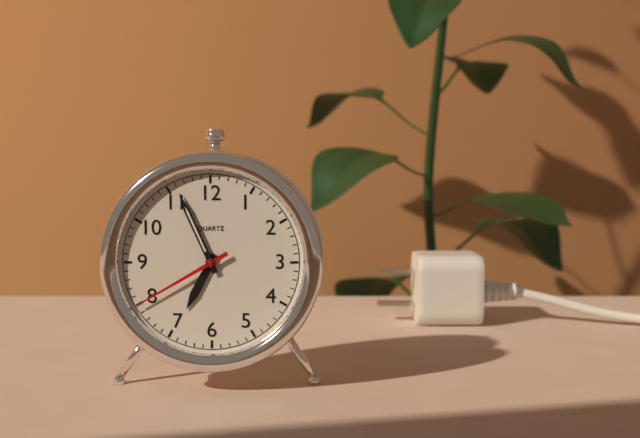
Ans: 6:56:40
